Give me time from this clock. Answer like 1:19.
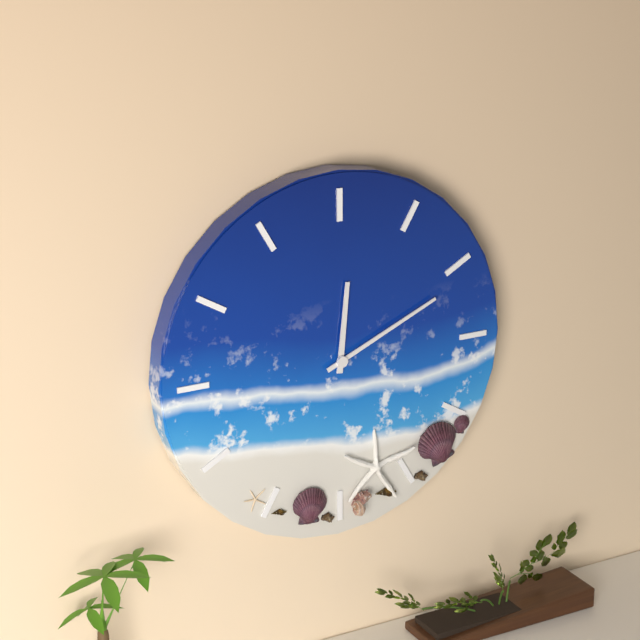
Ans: 12:11
